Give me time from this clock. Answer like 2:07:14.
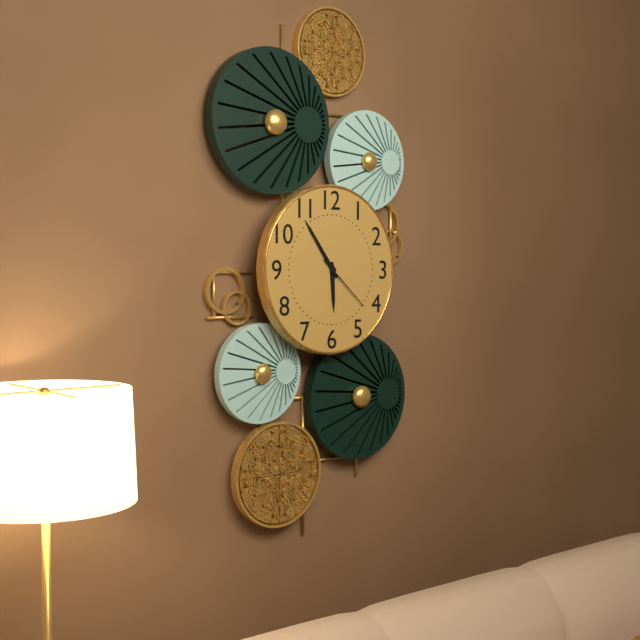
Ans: 5:54:22
